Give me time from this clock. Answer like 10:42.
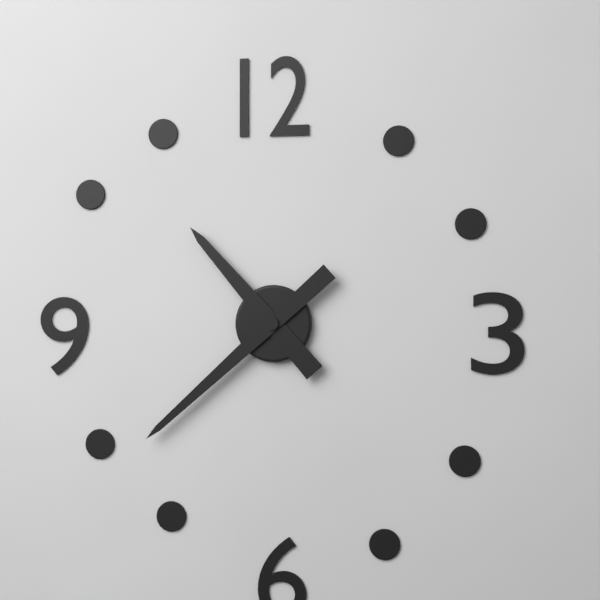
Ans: 10:38
